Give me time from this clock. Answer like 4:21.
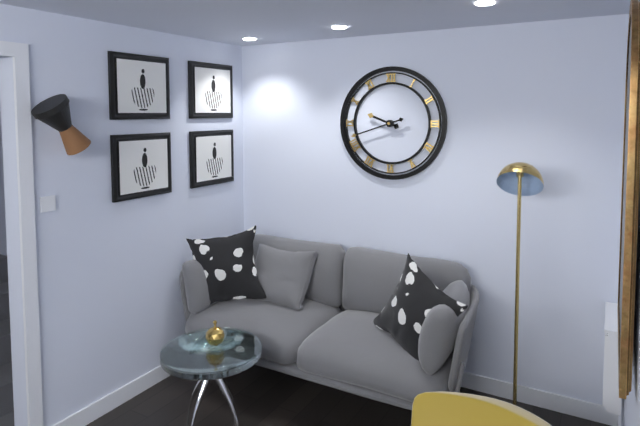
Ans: 9:42
